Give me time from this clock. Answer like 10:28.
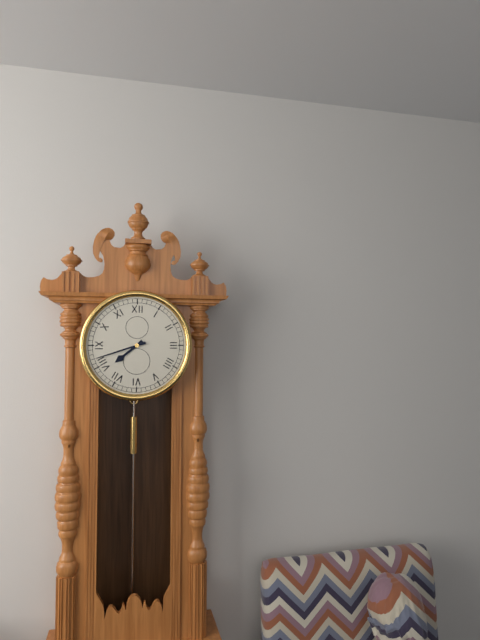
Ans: 7:42
